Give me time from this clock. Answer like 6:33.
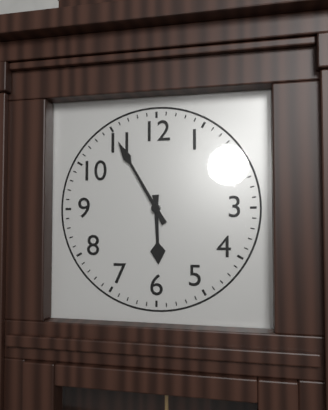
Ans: 5:55
